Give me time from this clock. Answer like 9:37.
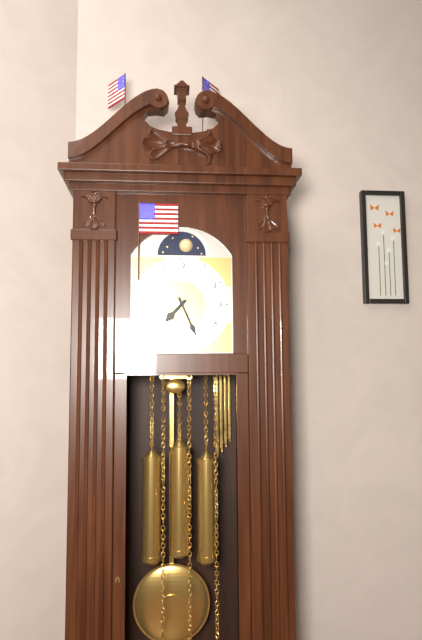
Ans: 7:26
